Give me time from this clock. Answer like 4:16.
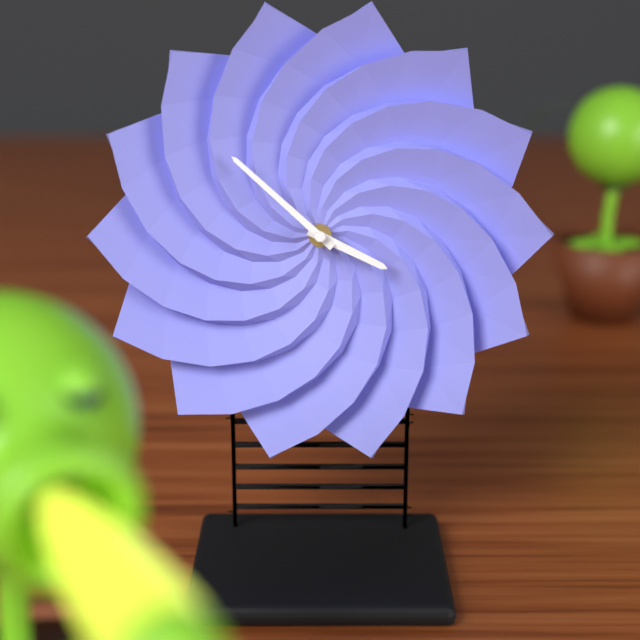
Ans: 3:52
